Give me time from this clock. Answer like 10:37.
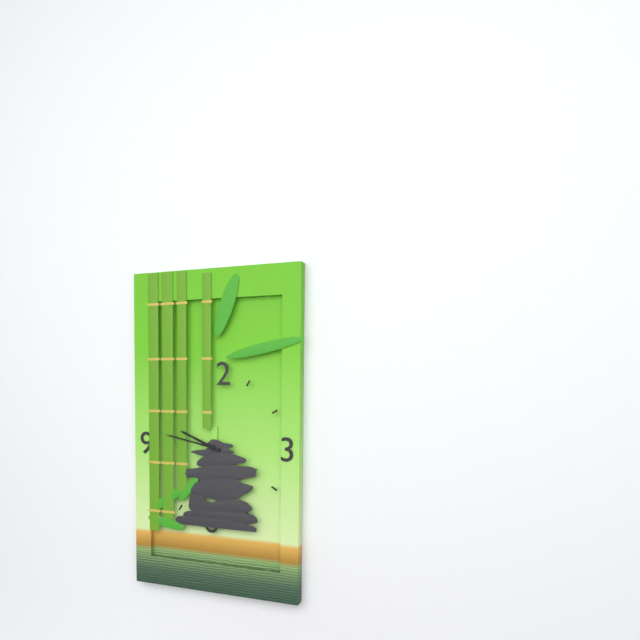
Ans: 9:47
